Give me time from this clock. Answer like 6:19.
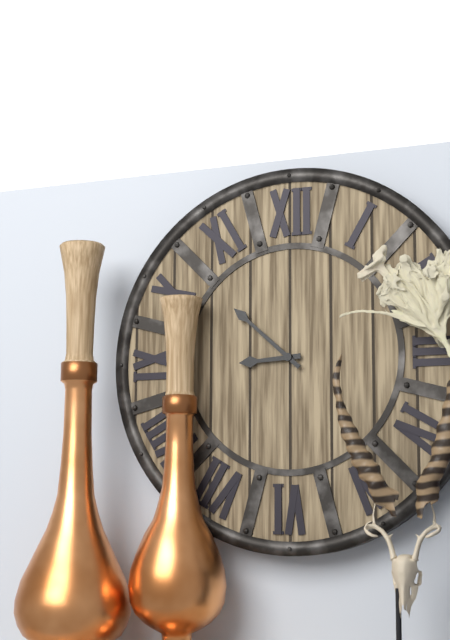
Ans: 8:52
